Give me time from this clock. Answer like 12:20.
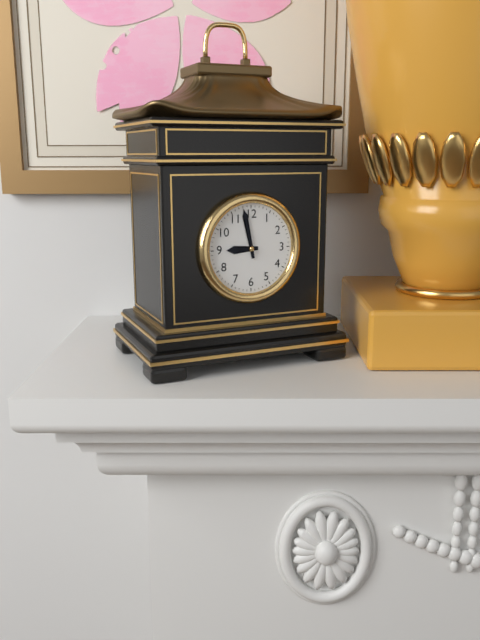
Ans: 8:58
